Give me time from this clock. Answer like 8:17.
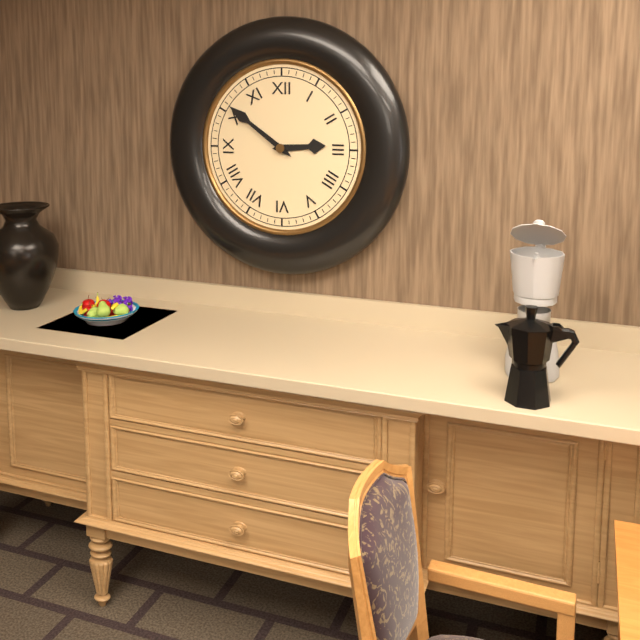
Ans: 2:51
